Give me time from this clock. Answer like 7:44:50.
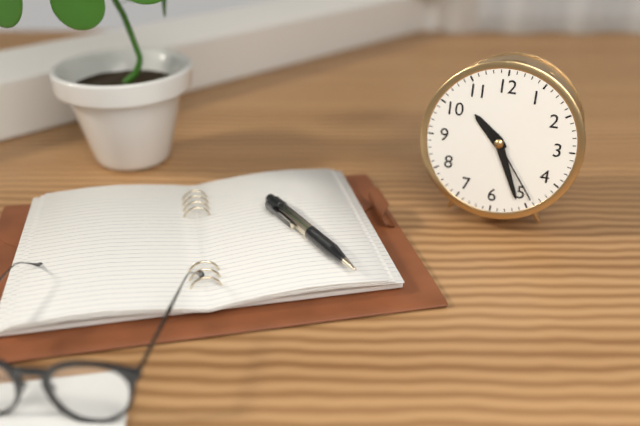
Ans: 10:26:24
